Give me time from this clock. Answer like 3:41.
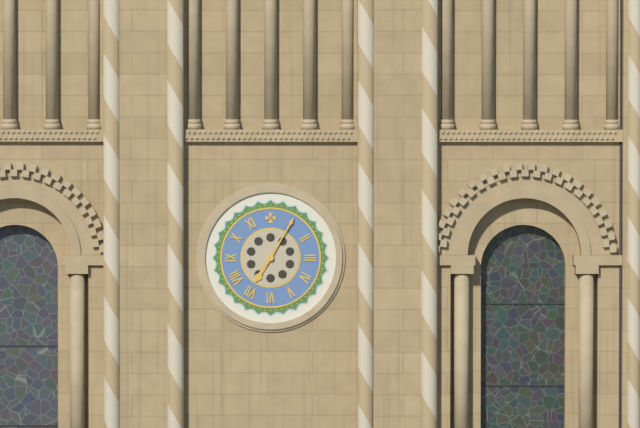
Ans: 7:05
